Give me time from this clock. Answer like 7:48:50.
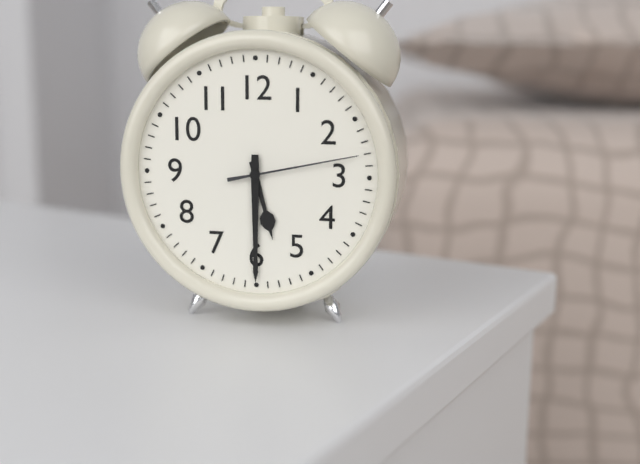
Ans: 5:30:13
